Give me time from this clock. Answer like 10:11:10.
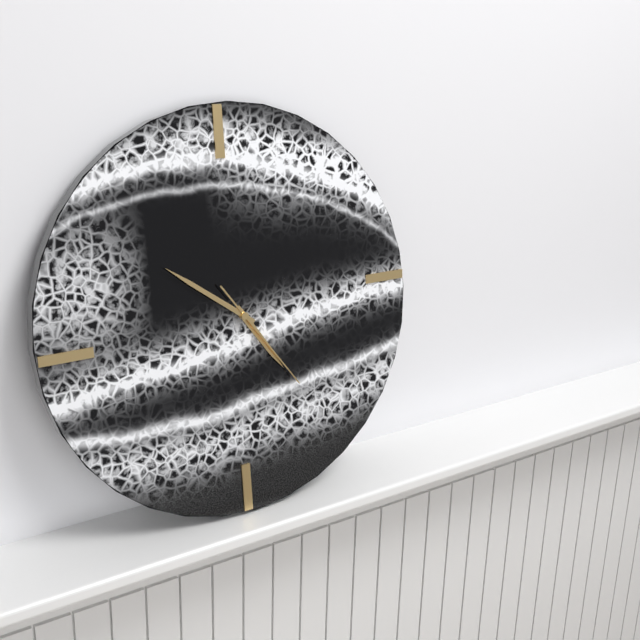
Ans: 4:51:24
